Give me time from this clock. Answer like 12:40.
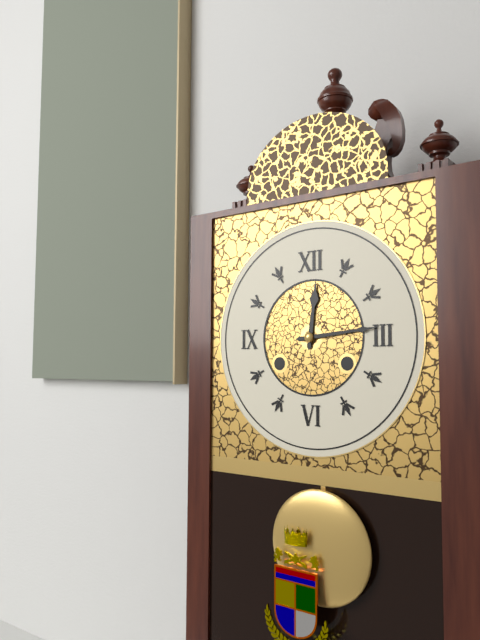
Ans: 12:14
